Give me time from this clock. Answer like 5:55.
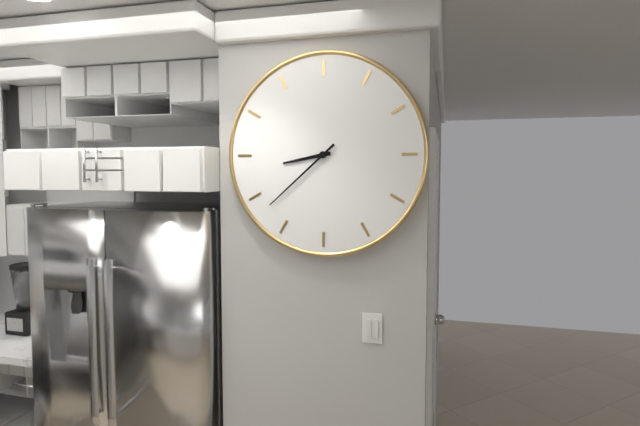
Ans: 8:38
